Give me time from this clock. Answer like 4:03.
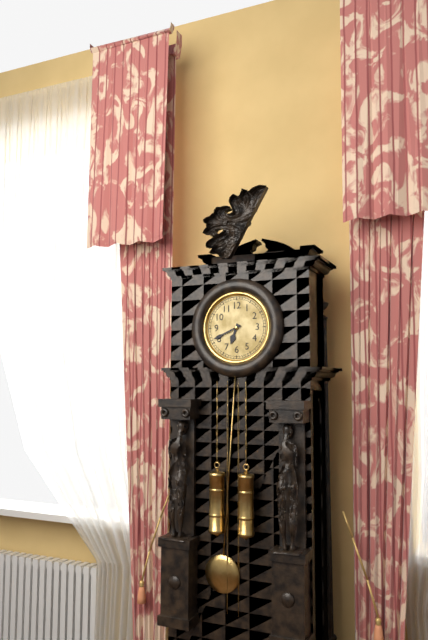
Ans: 6:41
